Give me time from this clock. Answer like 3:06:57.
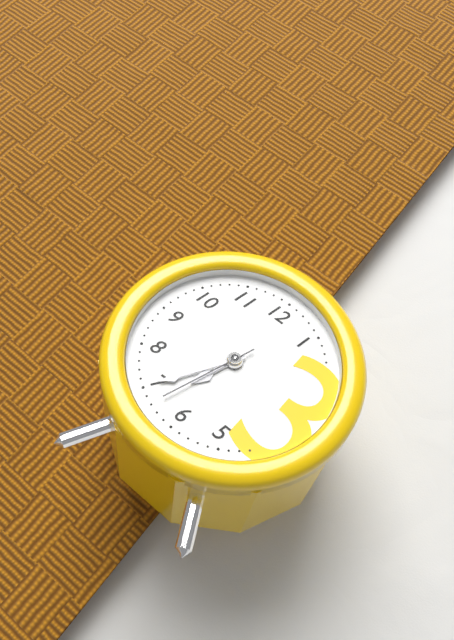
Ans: 6:35:33
